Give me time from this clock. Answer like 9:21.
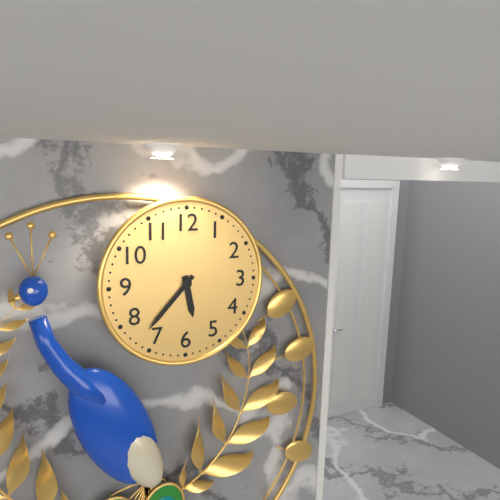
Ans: 5:37
